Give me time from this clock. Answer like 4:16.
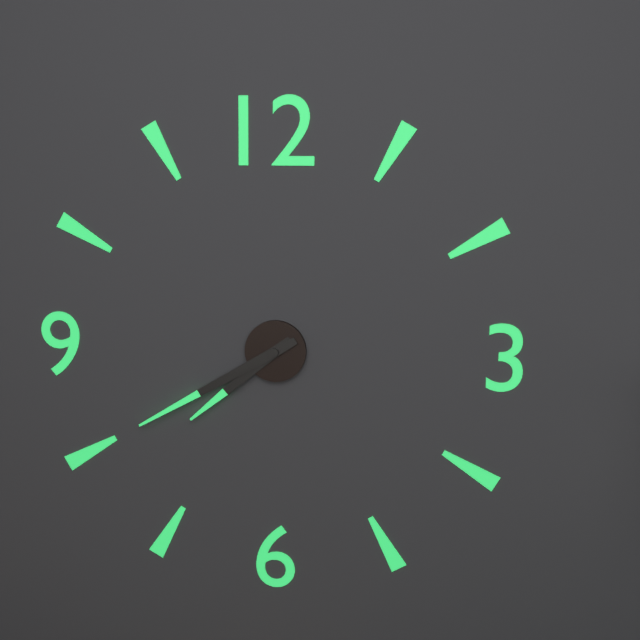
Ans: 7:40
